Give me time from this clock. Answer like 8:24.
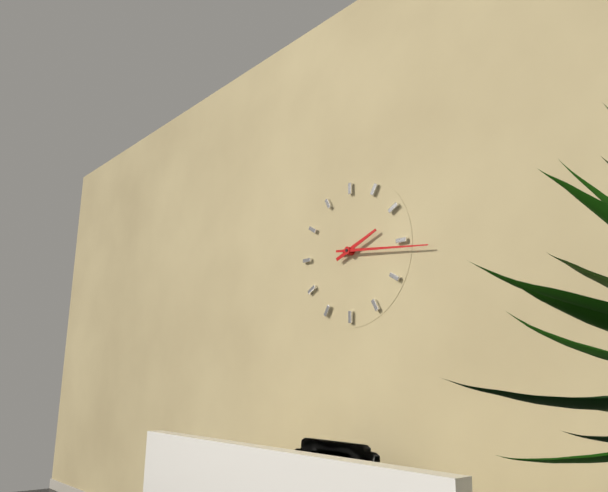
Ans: 2:16
